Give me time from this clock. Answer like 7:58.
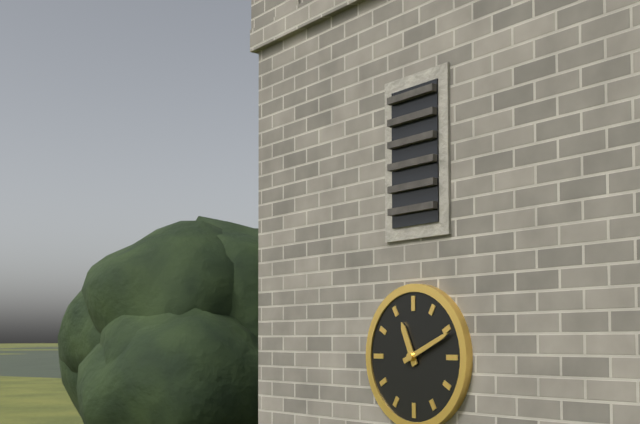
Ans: 11:11
